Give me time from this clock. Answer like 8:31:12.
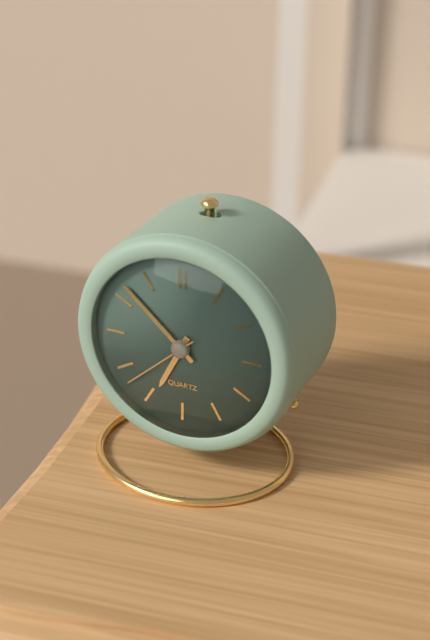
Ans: 6:52:38
